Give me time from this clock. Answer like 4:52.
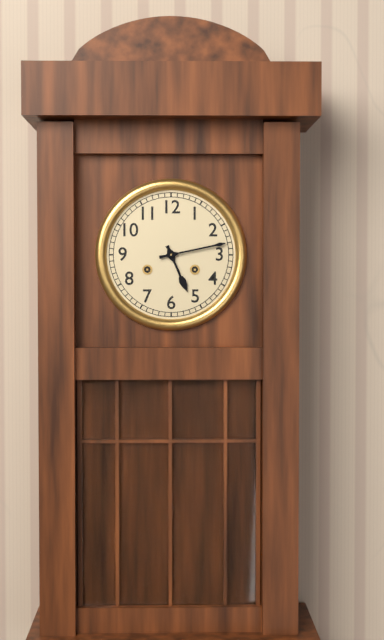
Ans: 5:13
